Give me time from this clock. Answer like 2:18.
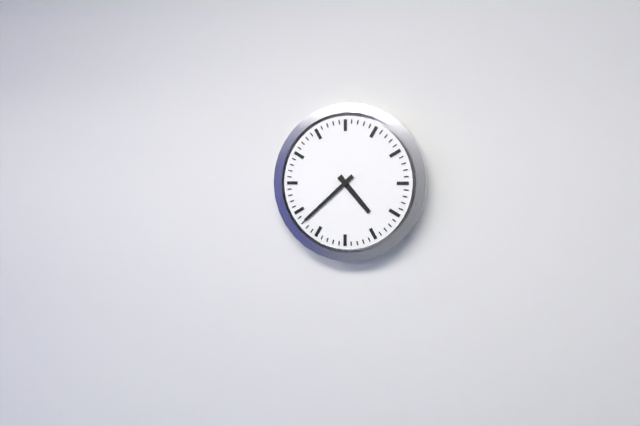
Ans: 4:38
